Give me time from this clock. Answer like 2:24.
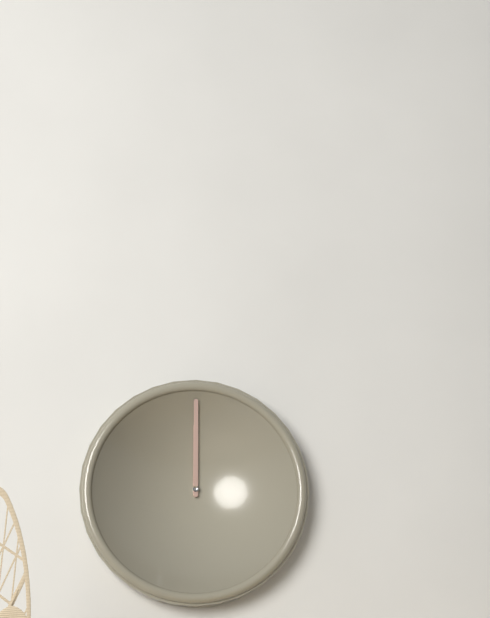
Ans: 12:00
